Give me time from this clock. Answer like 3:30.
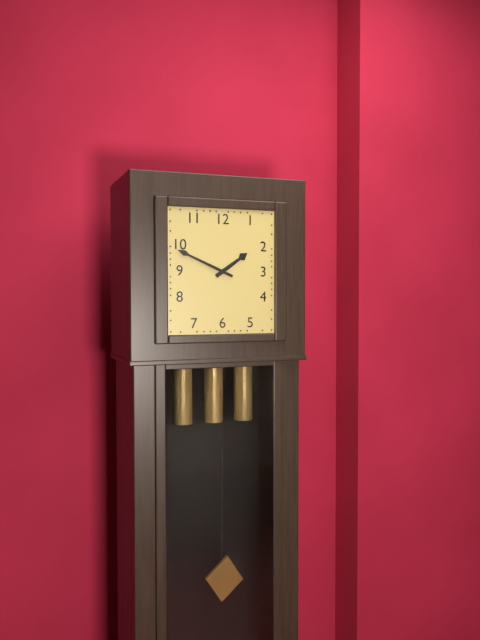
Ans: 1:49
